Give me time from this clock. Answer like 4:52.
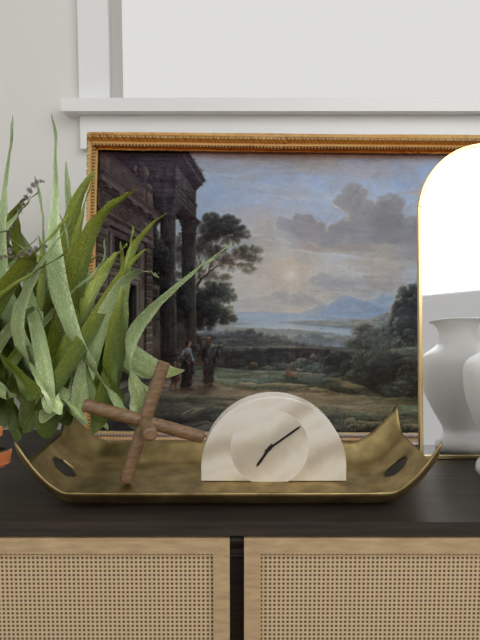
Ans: 7:09
